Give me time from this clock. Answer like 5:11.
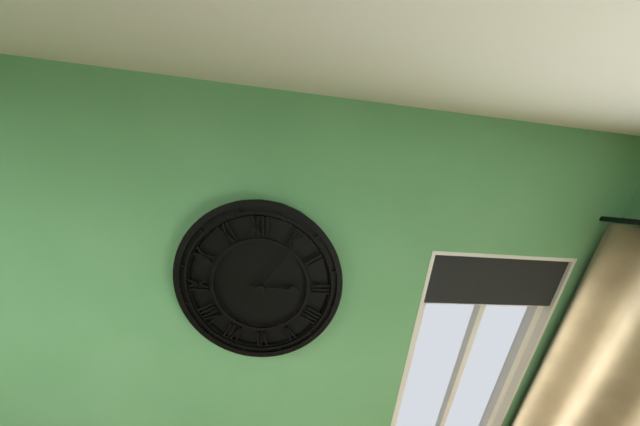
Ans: 3:06
